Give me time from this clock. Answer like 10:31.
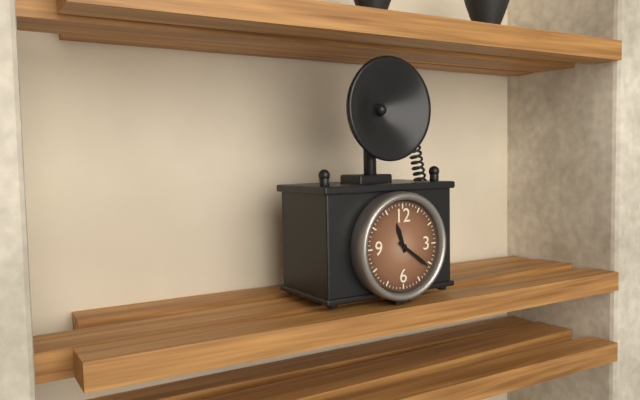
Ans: 11:21
